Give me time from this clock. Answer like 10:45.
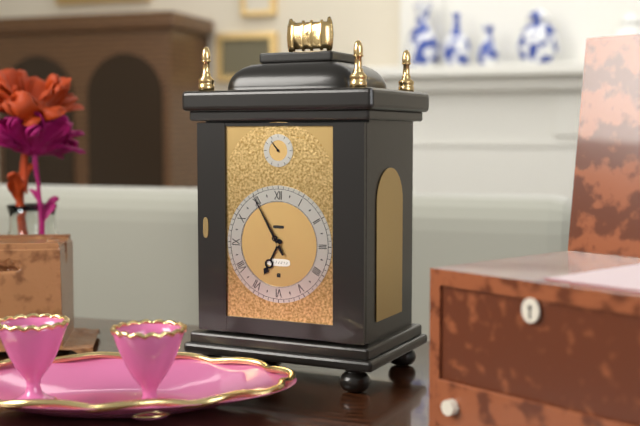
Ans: 6:55
